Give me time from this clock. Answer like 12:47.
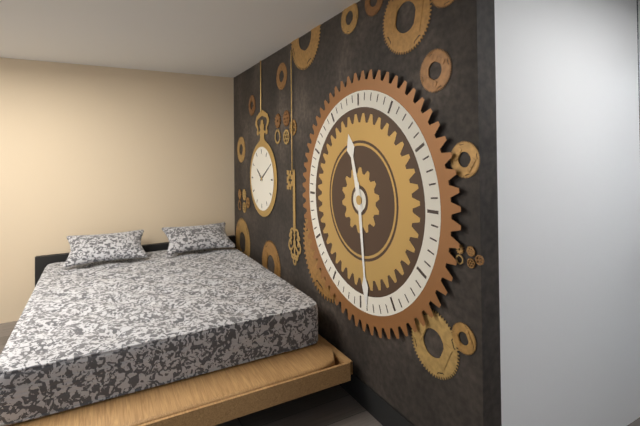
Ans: 11:29
